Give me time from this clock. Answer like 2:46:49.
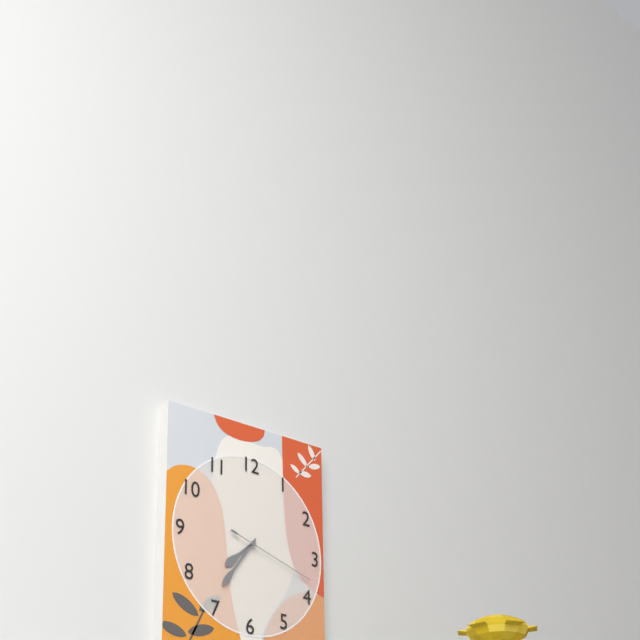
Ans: 7:36:18
